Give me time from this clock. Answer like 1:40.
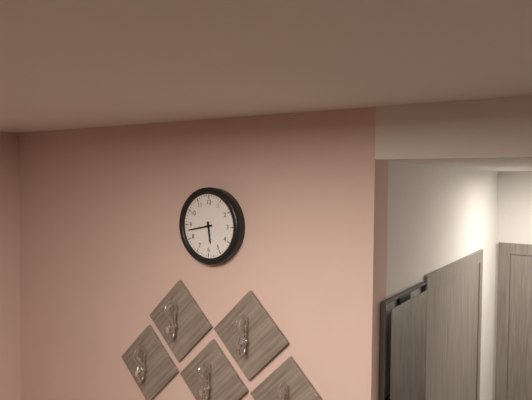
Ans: 5:43
